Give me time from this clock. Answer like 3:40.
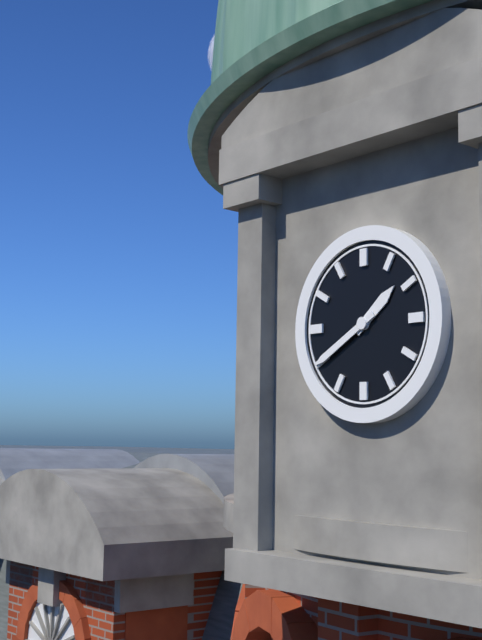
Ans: 1:40
